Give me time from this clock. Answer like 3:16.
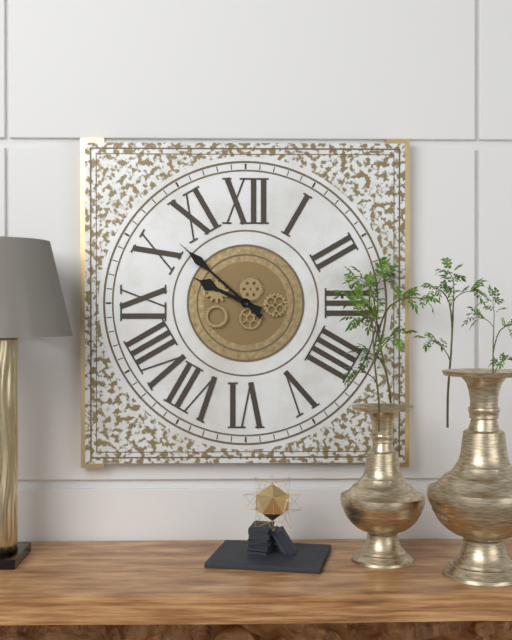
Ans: 9:52
